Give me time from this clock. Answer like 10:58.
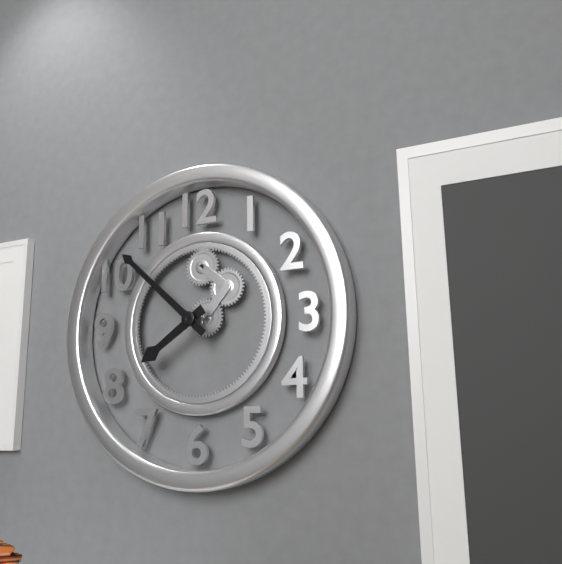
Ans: 7:52
